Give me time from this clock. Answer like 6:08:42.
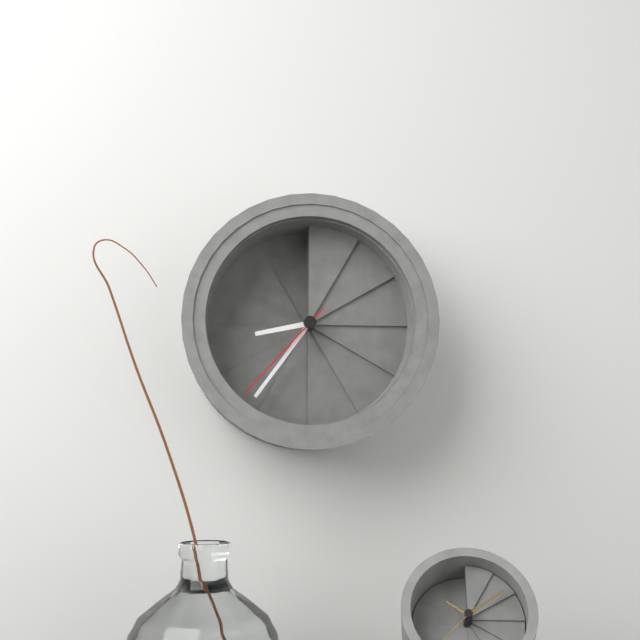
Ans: 8:36:37
